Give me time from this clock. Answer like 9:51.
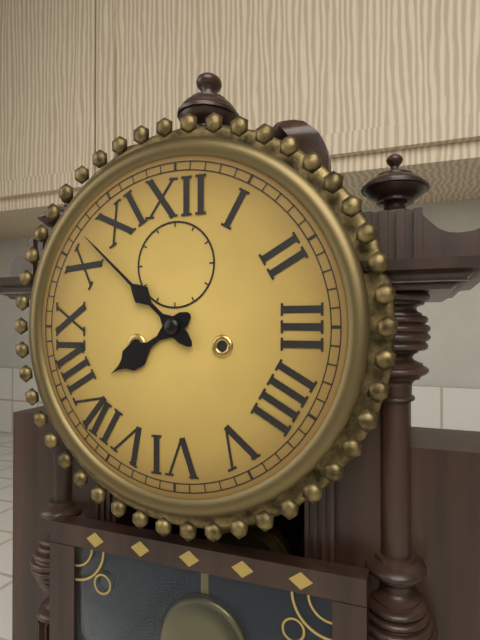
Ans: 7:52
